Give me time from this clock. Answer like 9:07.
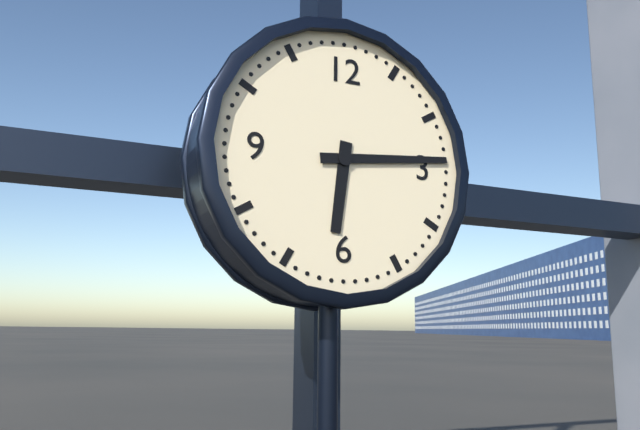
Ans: 6:14
